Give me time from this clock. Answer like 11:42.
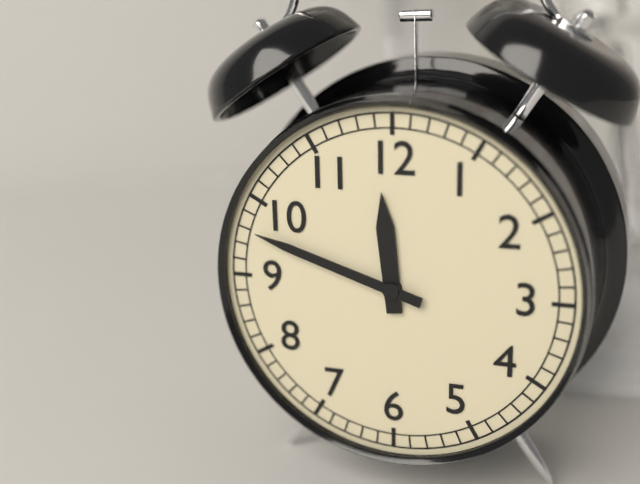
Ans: 11:48
